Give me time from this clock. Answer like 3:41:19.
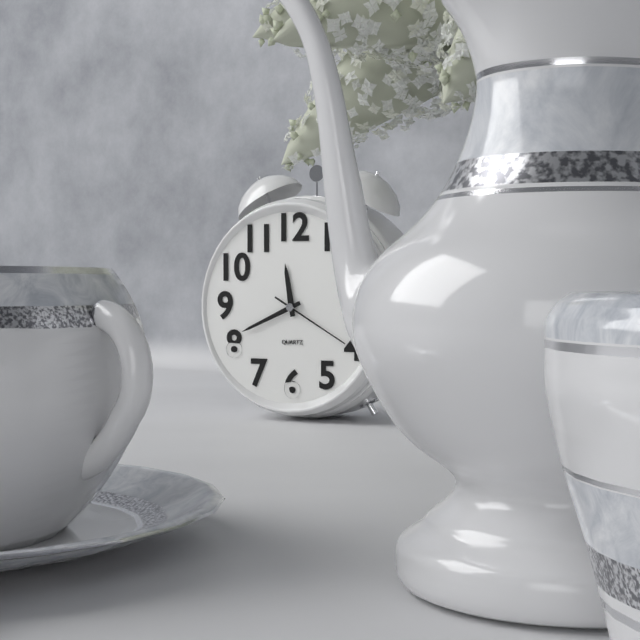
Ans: 11:41:20
